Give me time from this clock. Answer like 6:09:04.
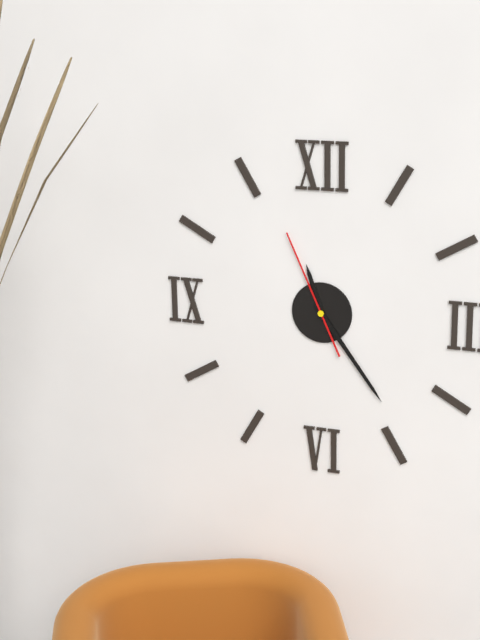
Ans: 11:24:56
